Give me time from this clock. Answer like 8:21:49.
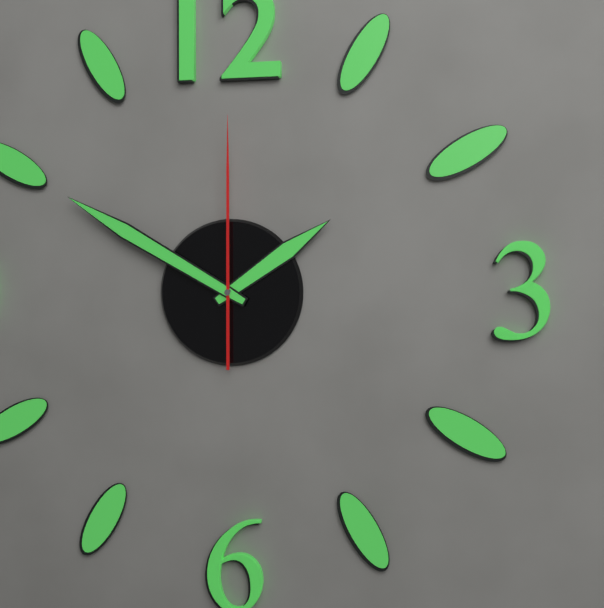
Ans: 1:50:00
